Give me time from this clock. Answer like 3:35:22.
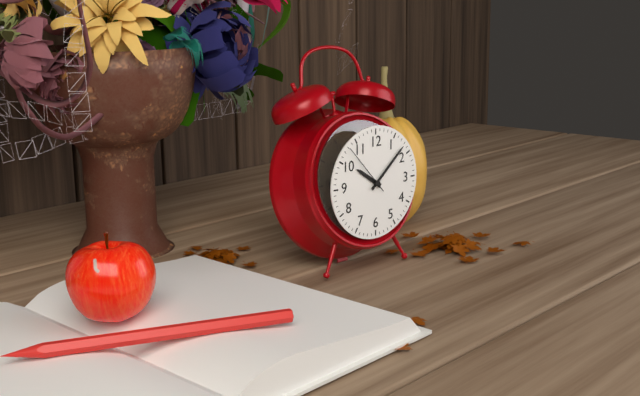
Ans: 10:08:53
